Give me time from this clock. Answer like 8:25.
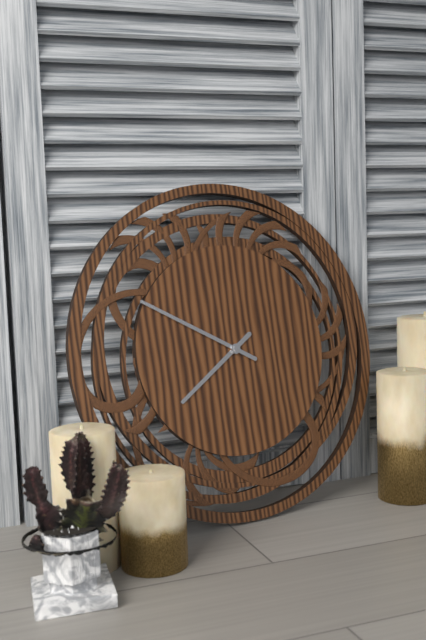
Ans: 7:50
